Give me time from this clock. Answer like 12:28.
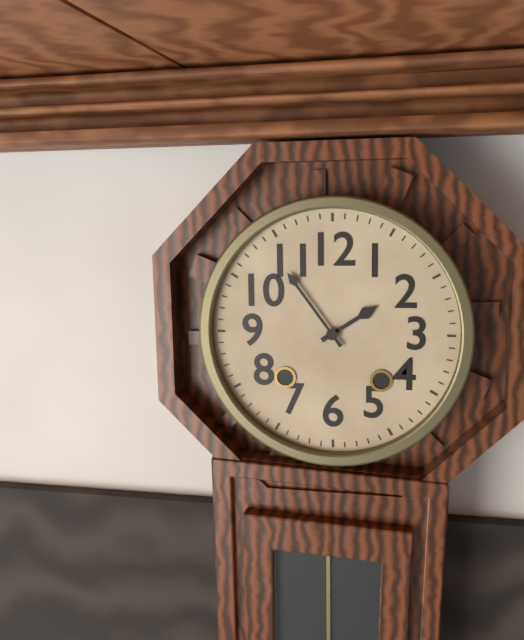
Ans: 1:54
